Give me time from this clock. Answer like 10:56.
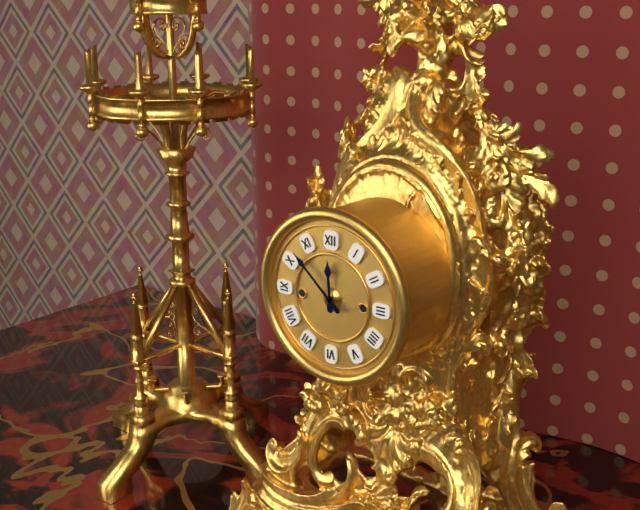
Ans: 11:52
